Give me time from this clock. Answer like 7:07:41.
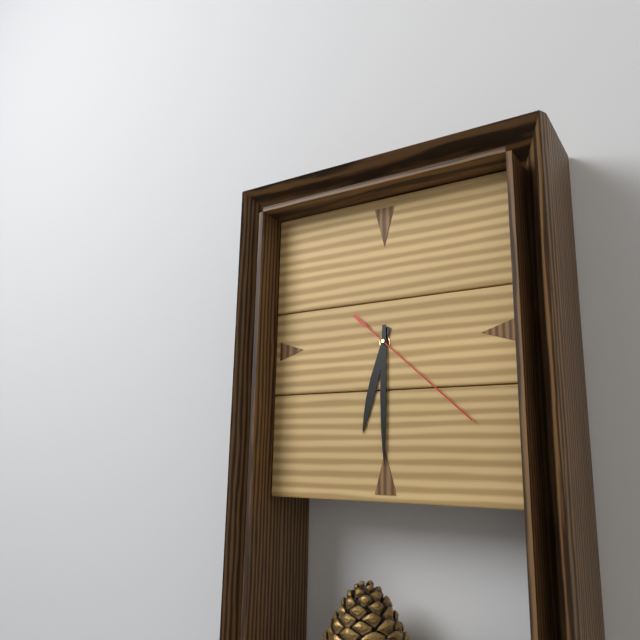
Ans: 6:30:22
